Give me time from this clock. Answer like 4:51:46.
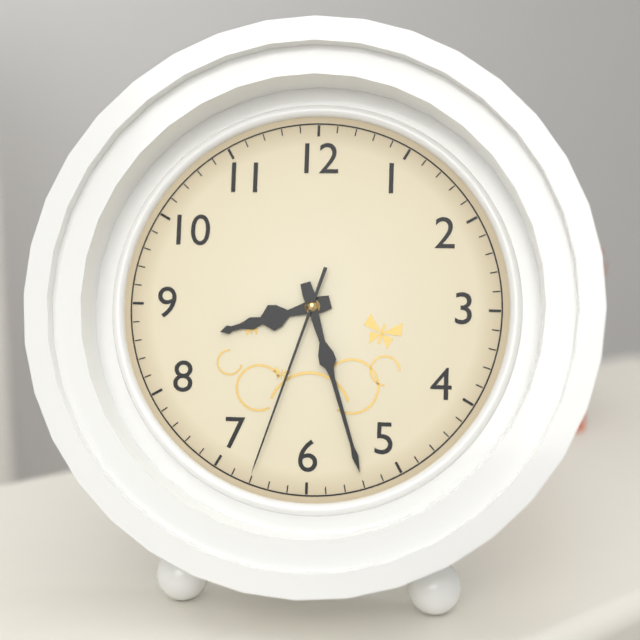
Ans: 8:27:33
